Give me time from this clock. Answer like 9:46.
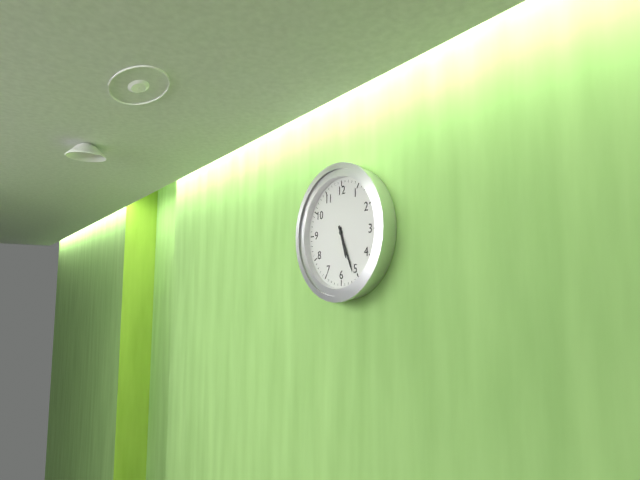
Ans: 5:26
